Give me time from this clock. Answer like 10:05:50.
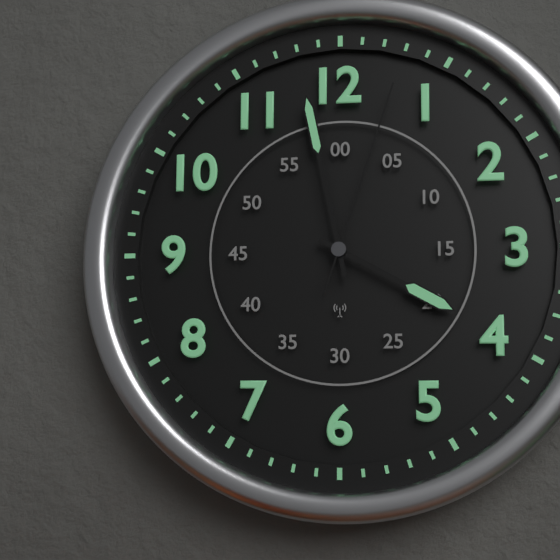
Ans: 3:58:03
